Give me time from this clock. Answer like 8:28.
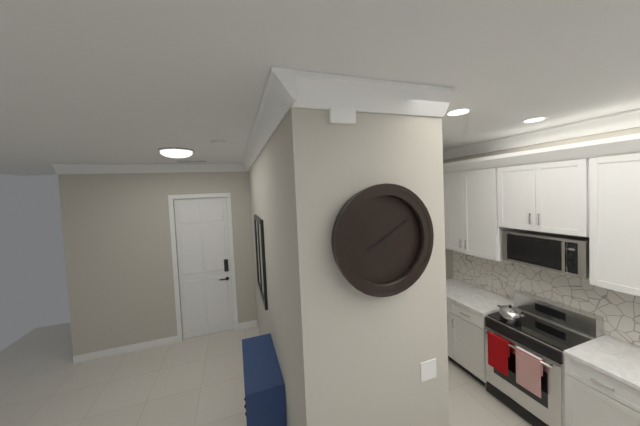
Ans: 8:10
